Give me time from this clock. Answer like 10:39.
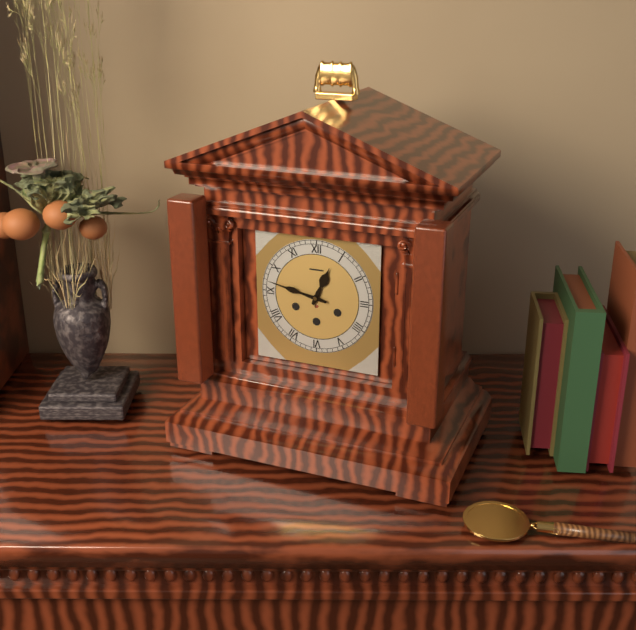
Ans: 12:47
